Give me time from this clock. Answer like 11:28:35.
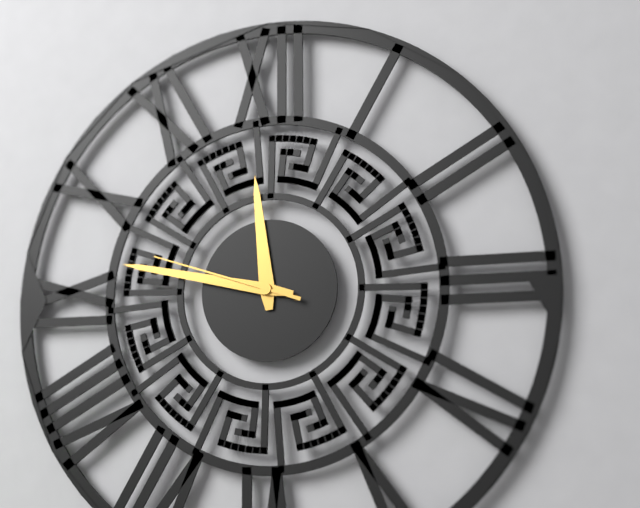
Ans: 11:47:48
